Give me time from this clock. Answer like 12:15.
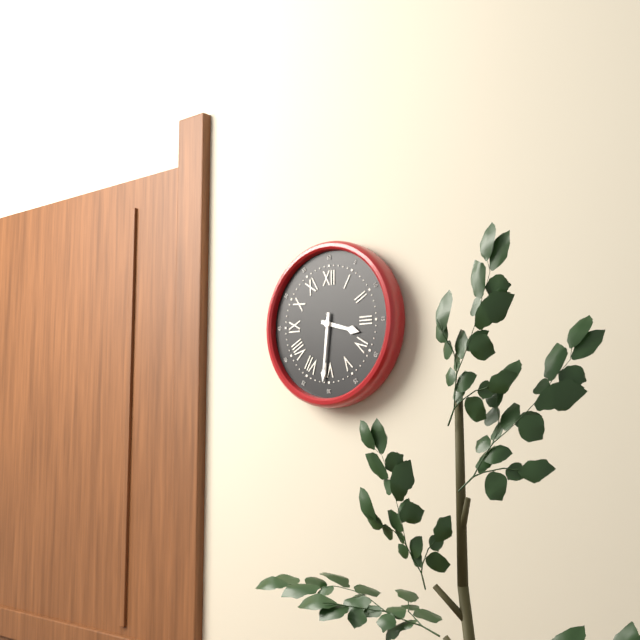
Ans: 3:31
